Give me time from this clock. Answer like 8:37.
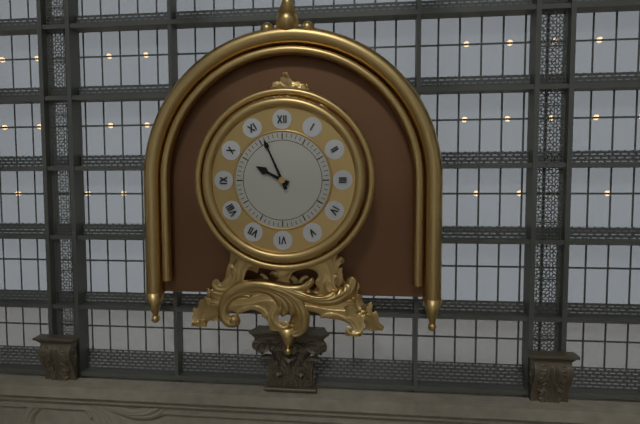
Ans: 9:56
